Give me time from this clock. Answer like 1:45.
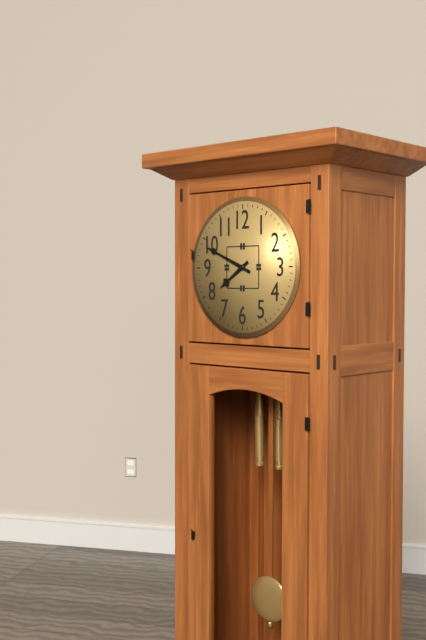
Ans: 7:49
